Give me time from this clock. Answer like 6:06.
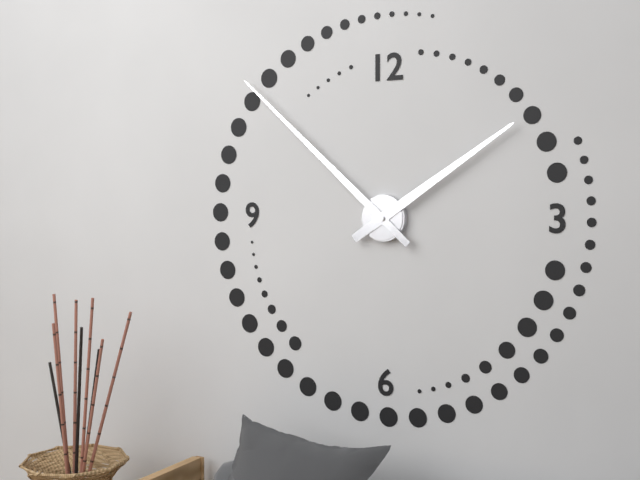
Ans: 1:52
